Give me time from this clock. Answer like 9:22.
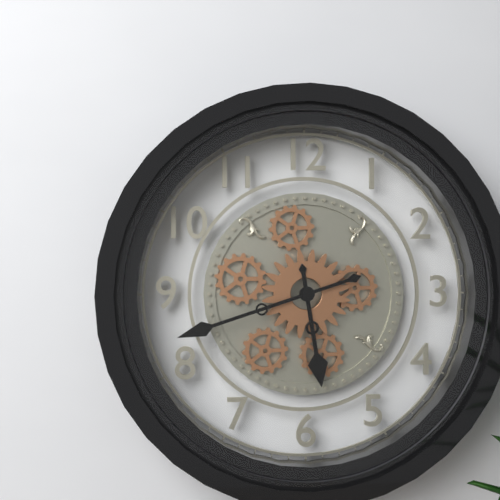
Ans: 5:42
